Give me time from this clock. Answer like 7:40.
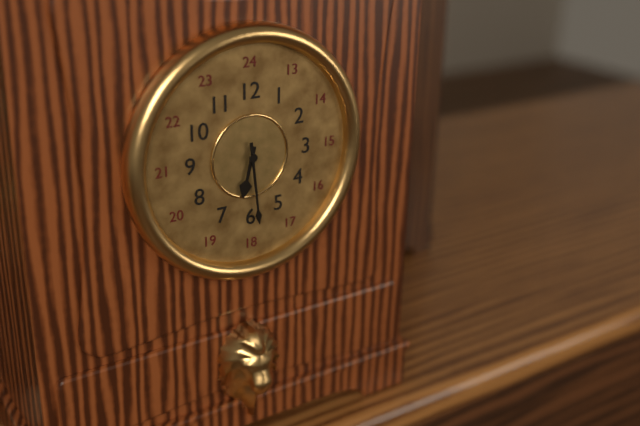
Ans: 6:29
